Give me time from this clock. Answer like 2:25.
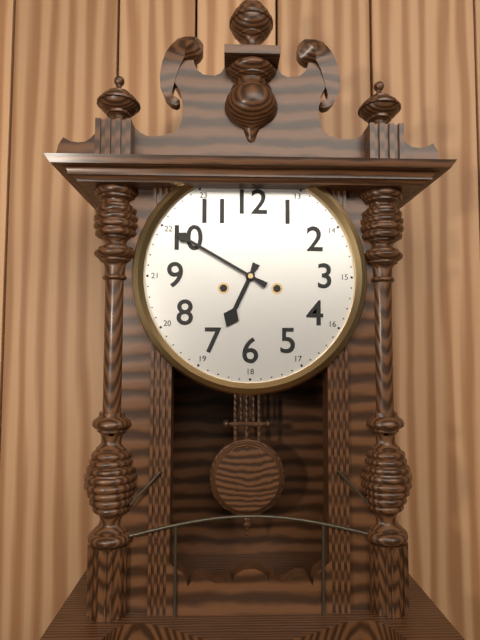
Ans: 6:50
